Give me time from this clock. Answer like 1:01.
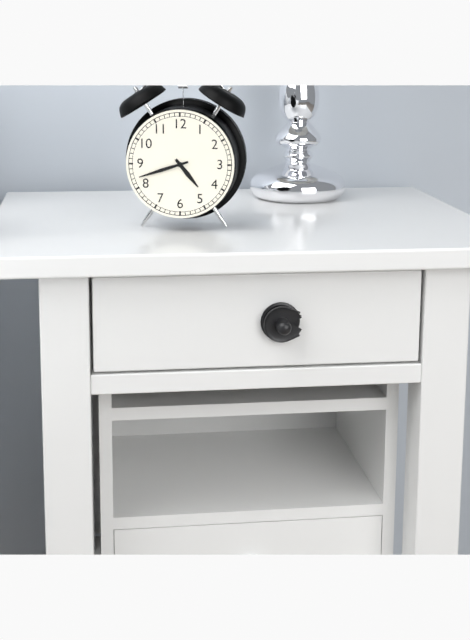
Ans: 4:42
